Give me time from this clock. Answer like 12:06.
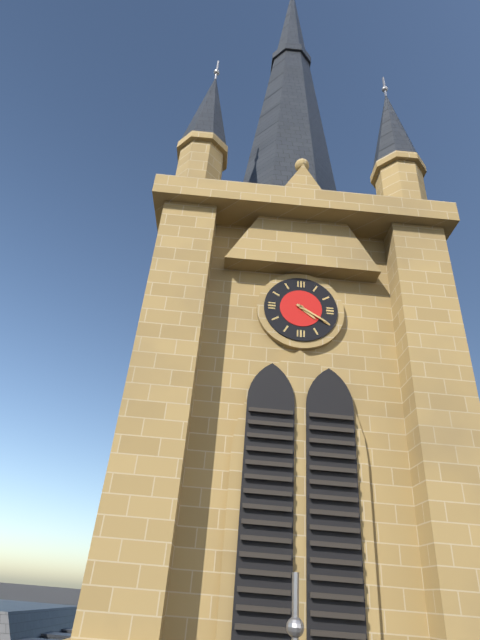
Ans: 4:20
